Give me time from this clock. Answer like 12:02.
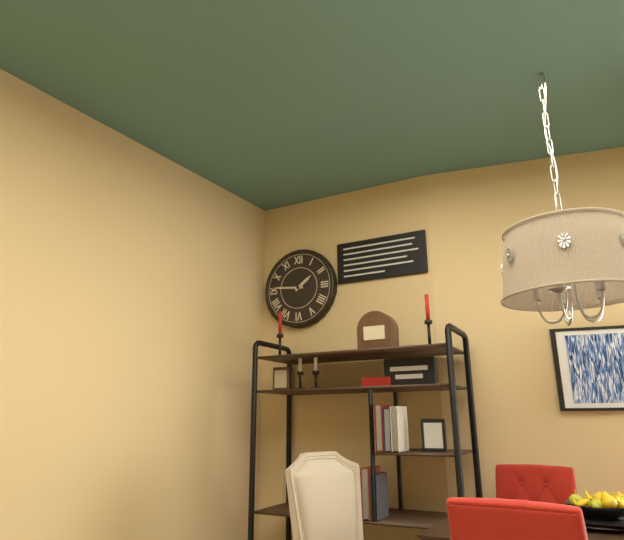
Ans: 1:46
